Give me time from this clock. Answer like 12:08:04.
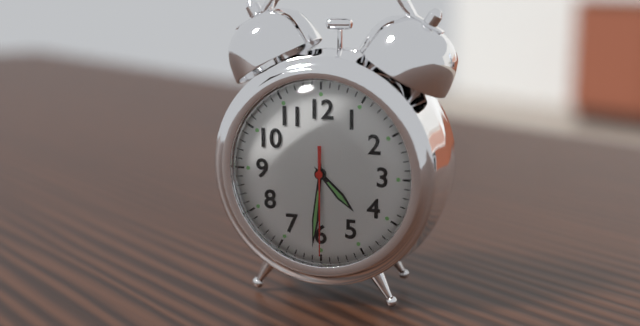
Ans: 4:31:30
